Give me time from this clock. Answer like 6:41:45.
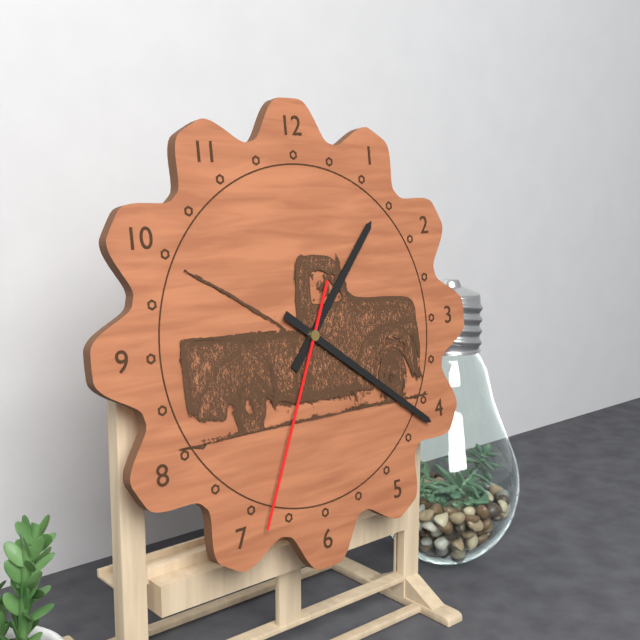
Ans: 1:21:34
